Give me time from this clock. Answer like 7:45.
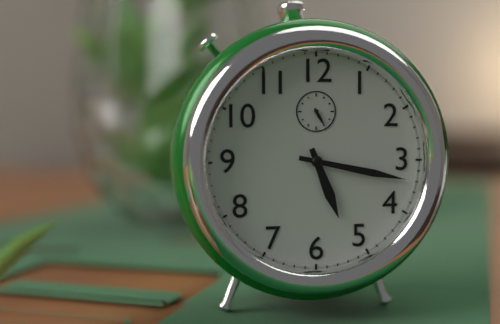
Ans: 5:17
